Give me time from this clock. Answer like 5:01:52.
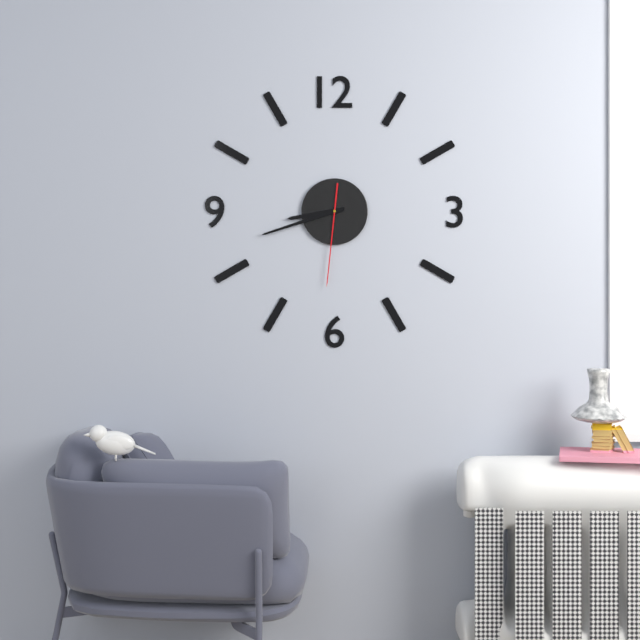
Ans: 8:42:31
